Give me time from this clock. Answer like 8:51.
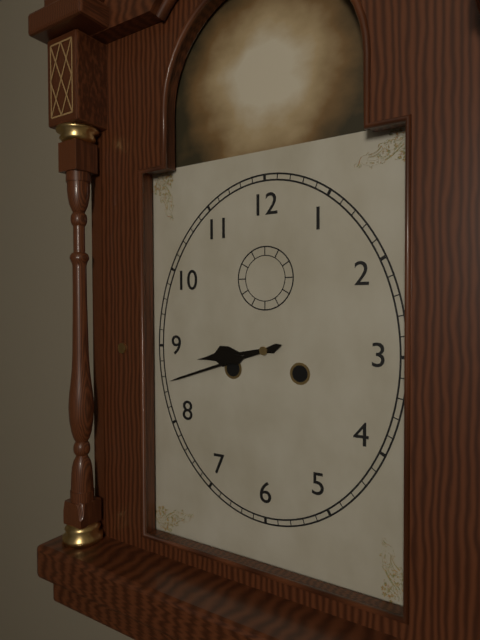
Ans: 8:42
